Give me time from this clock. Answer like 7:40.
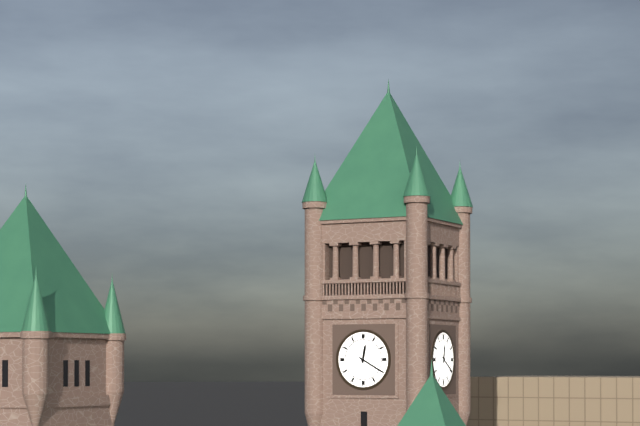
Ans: 12:20
